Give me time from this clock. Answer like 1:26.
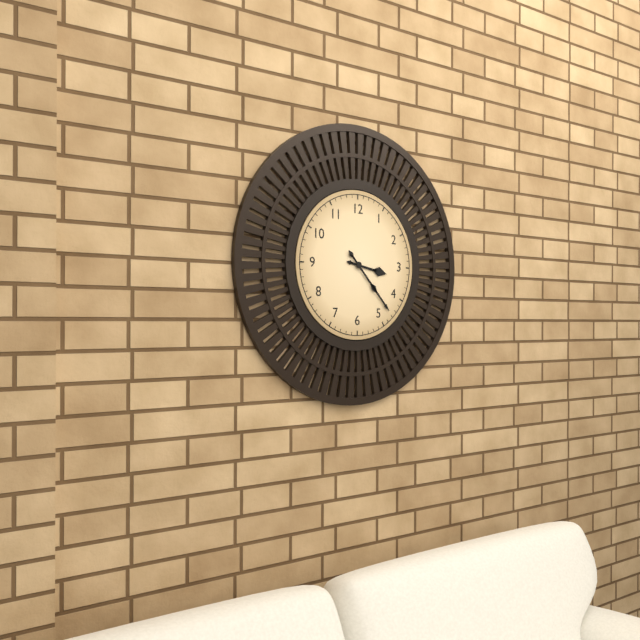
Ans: 3:23
